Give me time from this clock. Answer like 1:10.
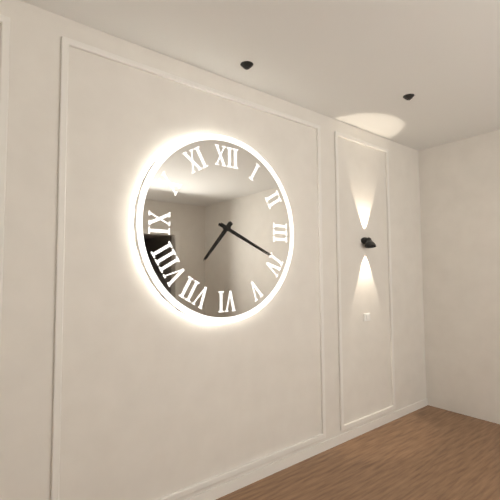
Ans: 7:19
